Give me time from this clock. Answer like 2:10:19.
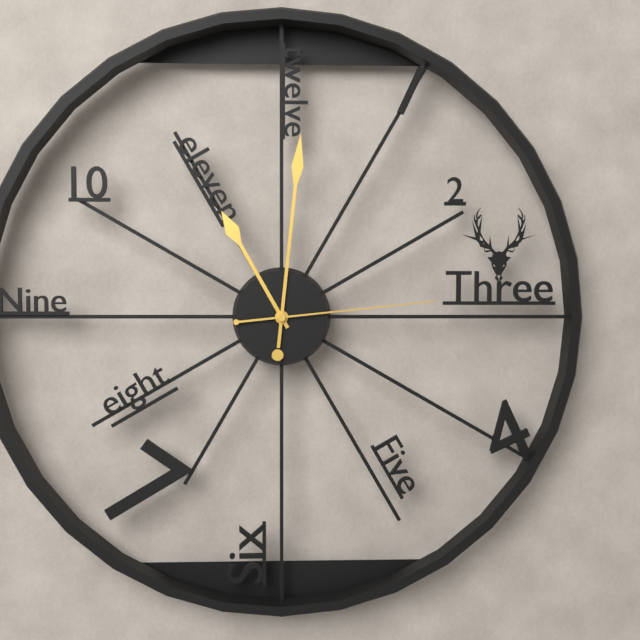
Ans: 11:01:14
